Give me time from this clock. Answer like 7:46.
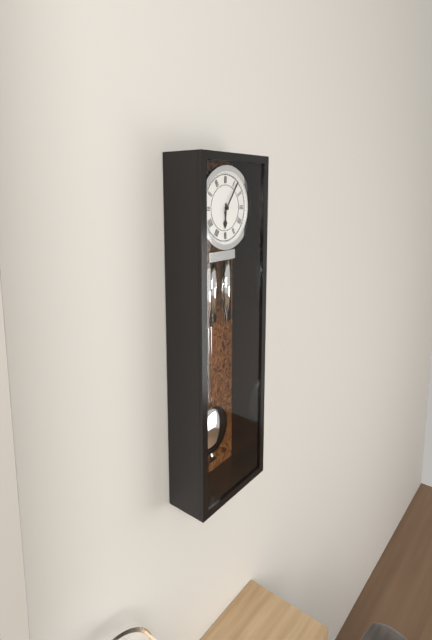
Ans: 6:06
